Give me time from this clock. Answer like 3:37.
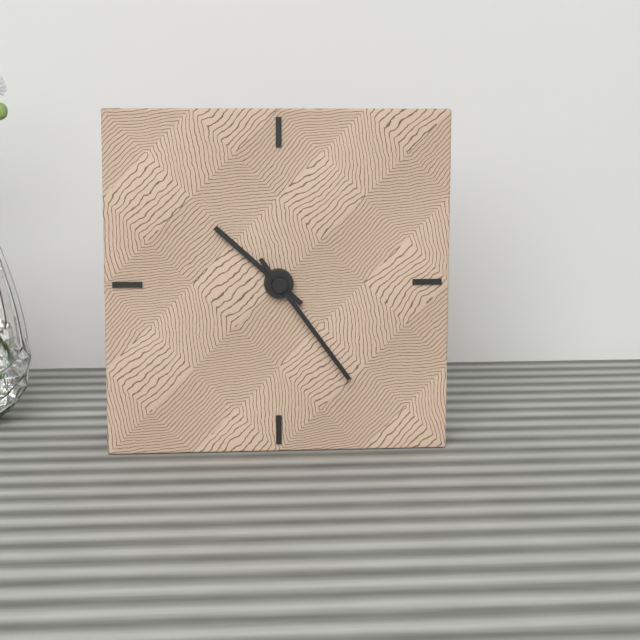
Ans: 10:24
